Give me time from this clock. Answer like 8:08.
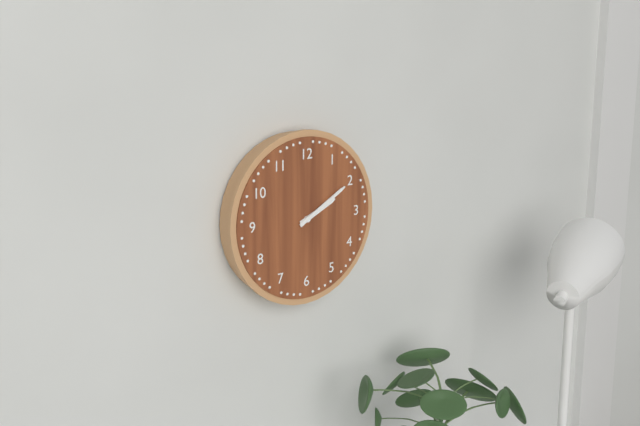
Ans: 2:10
